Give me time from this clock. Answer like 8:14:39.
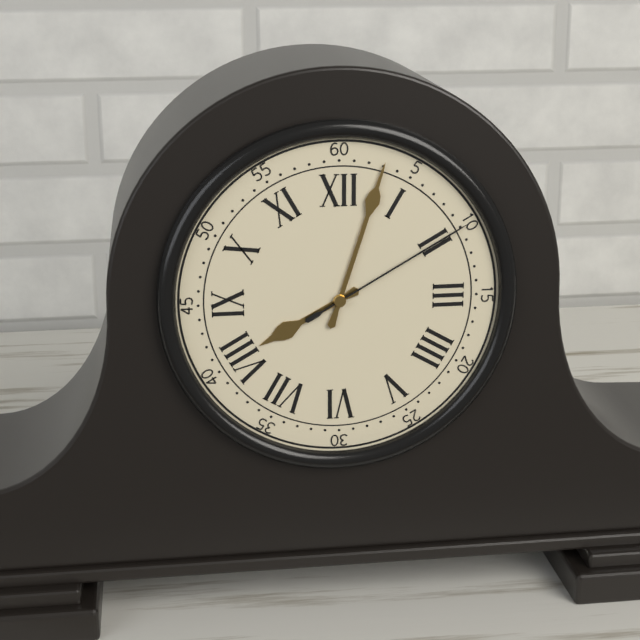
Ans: 8:03:10
